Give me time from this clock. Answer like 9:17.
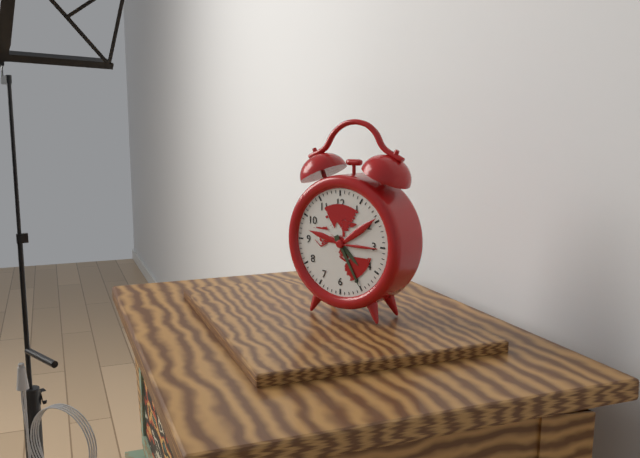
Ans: 4:25
